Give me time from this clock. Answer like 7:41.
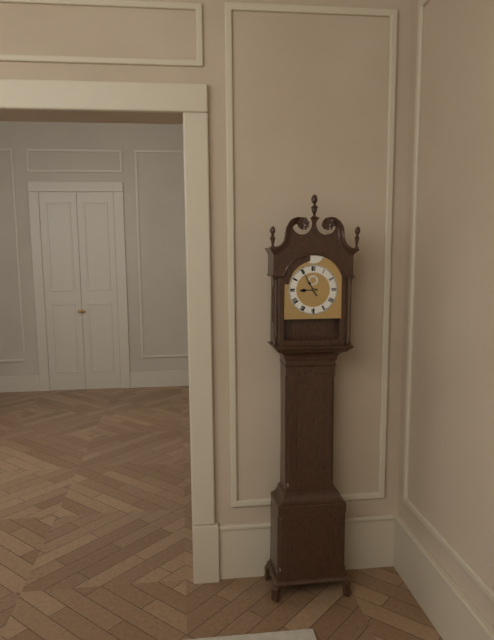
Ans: 8:55
